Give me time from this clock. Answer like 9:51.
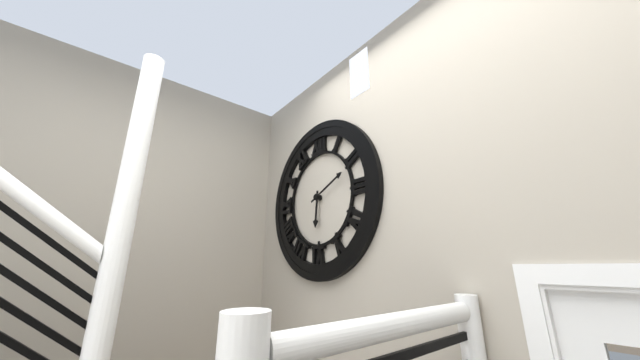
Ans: 6:11
